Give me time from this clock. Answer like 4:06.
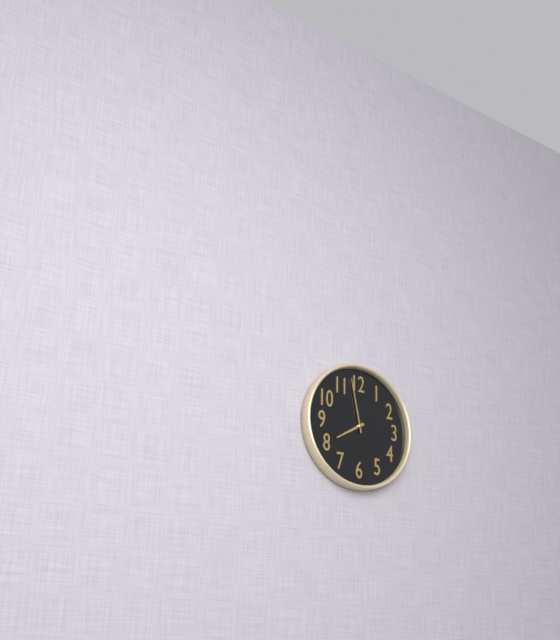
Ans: 7:58
